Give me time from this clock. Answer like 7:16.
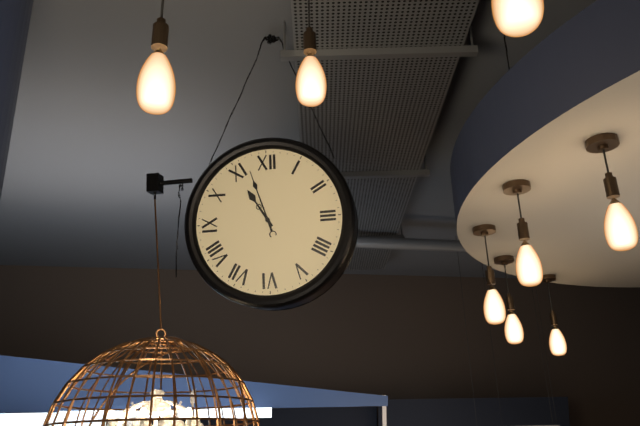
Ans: 10:57
